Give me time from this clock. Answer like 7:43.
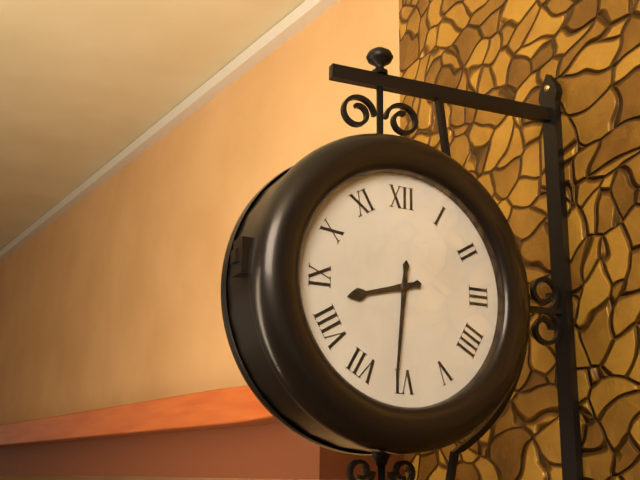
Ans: 8:31
